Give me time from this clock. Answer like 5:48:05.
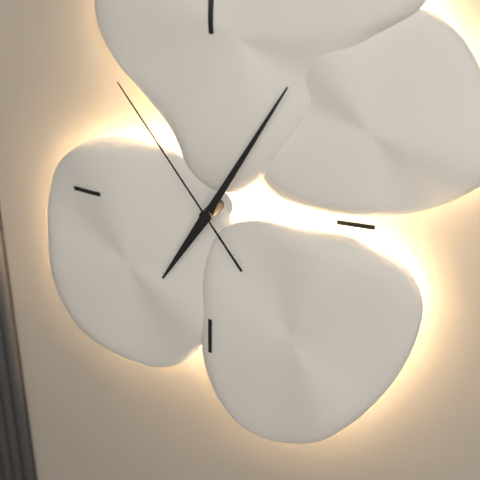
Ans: 7:05:54
